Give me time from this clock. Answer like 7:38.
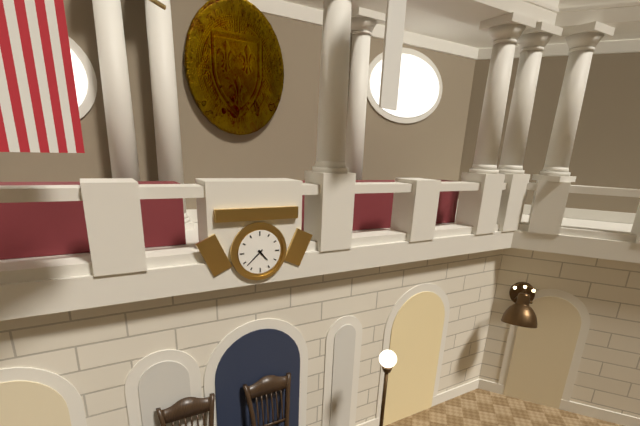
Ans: 4:38
